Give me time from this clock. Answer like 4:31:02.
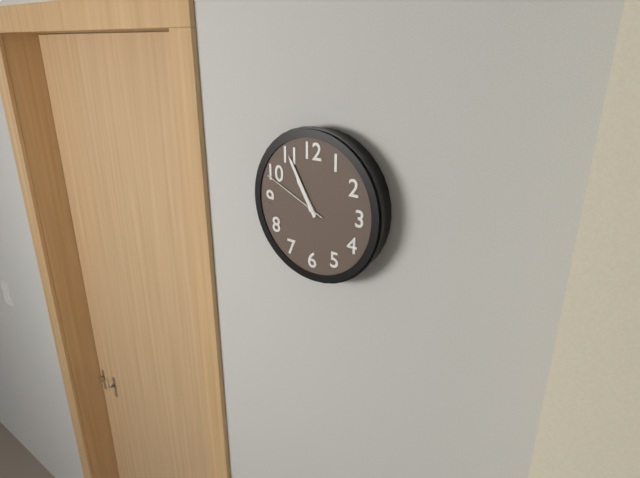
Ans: 10:55:49
